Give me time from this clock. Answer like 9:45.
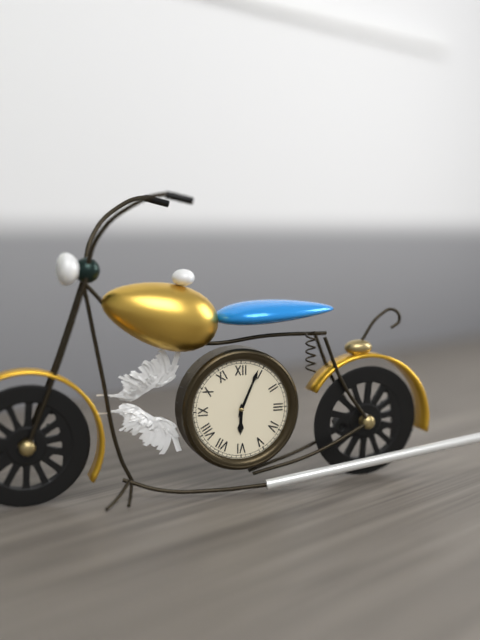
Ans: 6:04
